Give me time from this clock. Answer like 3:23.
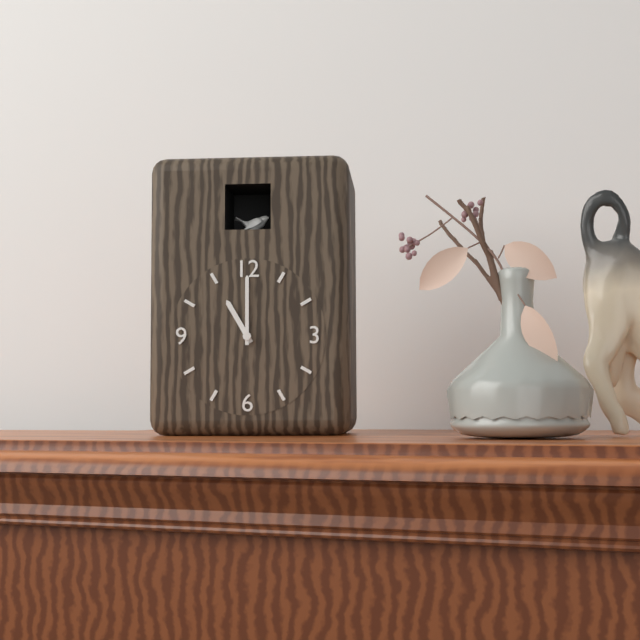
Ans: 11:00
